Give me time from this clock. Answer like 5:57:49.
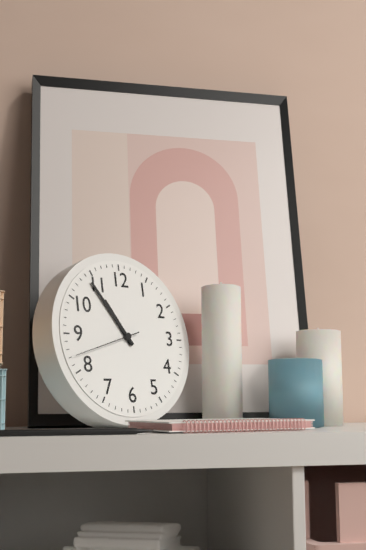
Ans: 10:54:42
